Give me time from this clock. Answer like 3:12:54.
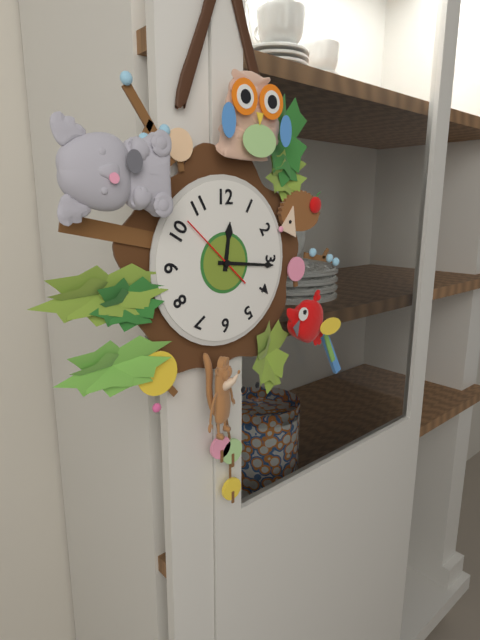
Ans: 12:16:52
